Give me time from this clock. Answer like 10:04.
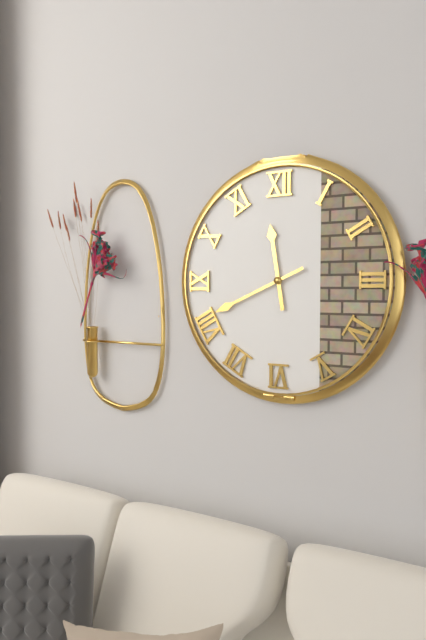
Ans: 11:41
